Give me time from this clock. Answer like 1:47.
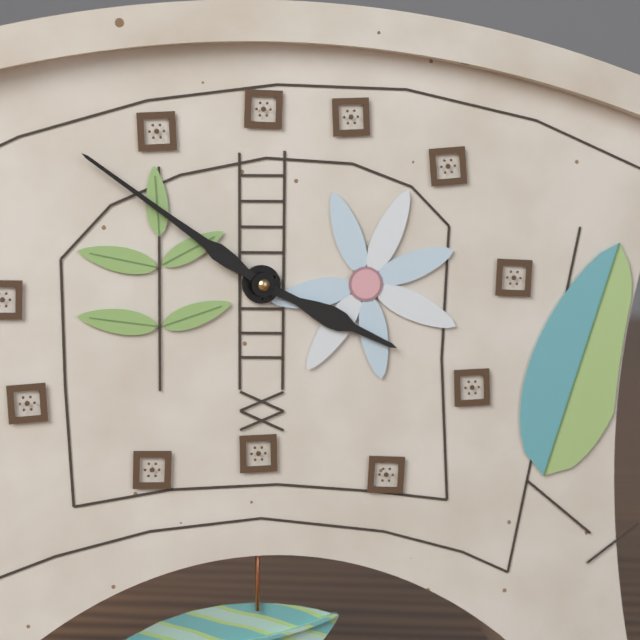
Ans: 3:51
